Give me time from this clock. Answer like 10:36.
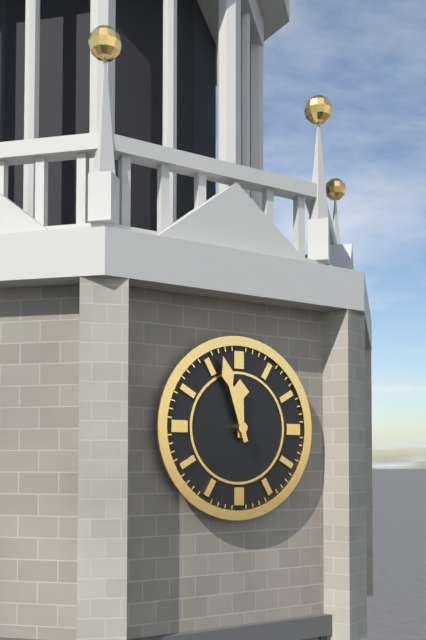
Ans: 11:57
